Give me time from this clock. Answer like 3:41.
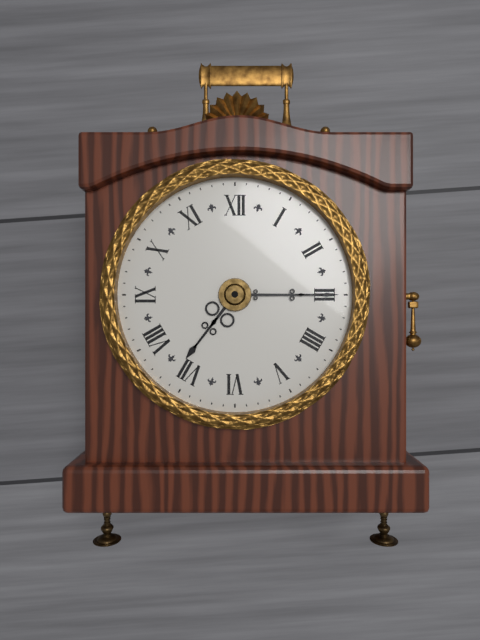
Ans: 7:15
